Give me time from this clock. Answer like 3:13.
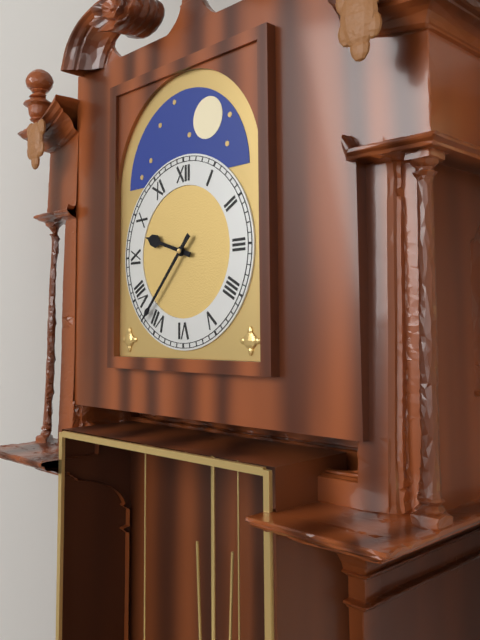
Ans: 9:37
